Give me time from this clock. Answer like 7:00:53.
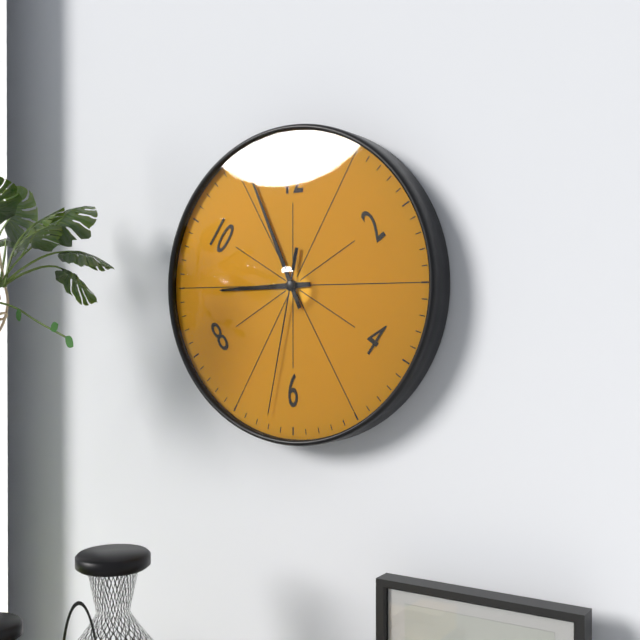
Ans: 8:56:32
